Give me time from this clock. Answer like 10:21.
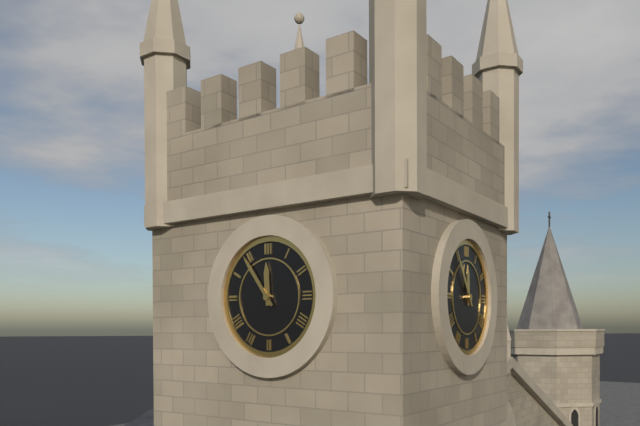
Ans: 11:54
